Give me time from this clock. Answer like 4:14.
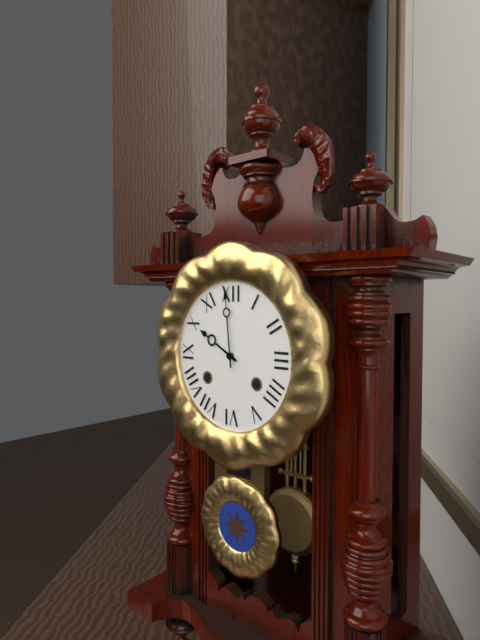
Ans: 9:59
